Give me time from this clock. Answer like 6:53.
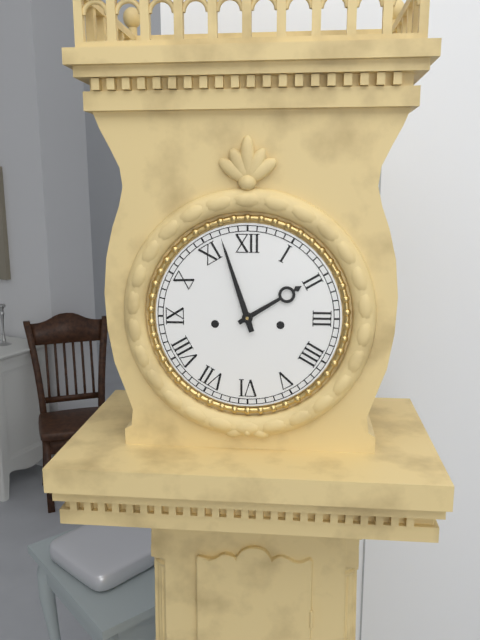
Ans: 1:57
